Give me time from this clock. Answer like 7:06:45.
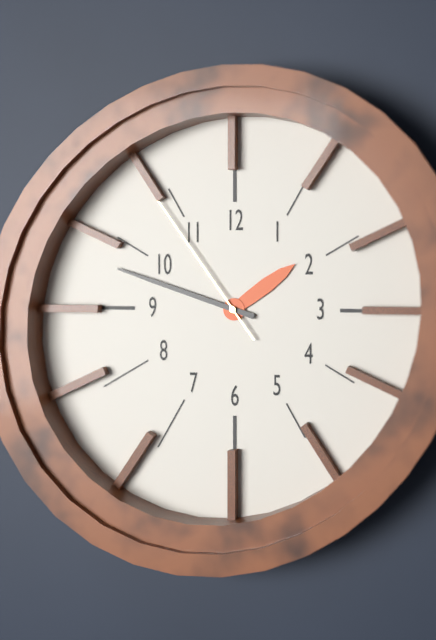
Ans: 1:48:54
